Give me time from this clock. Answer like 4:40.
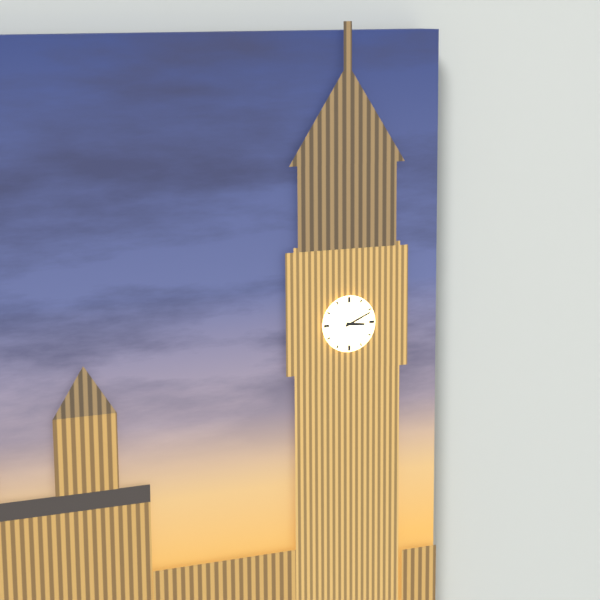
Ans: 3:11
